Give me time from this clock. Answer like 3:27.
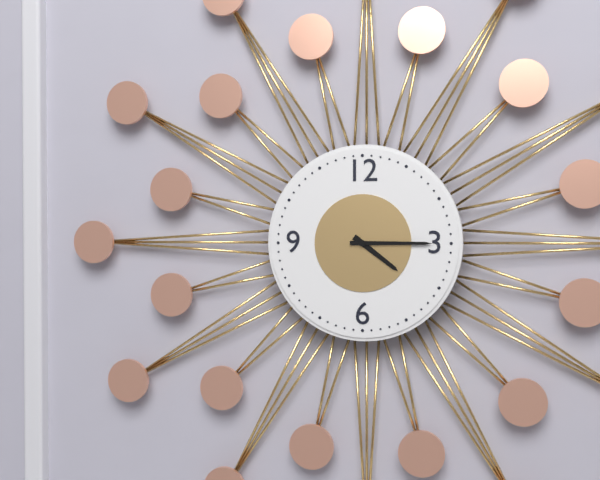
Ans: 4:15
